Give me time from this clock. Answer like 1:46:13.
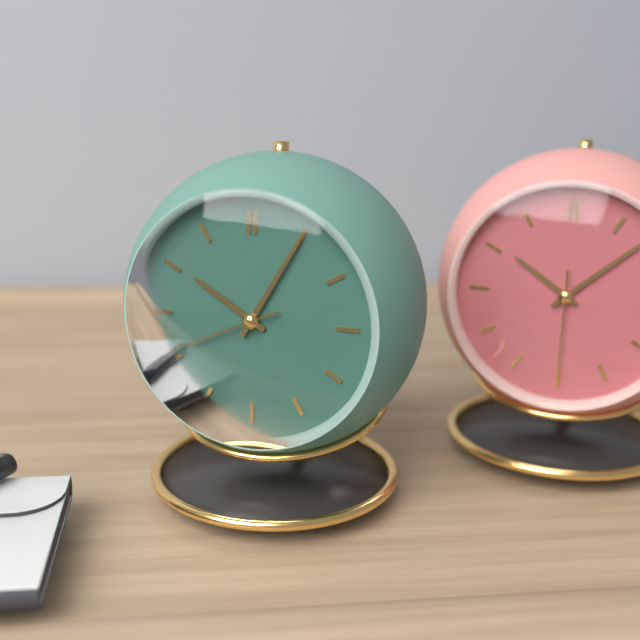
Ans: 10:05:41
